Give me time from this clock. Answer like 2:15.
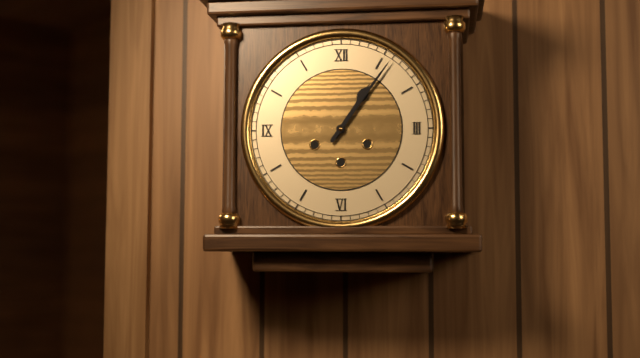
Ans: 1:06
